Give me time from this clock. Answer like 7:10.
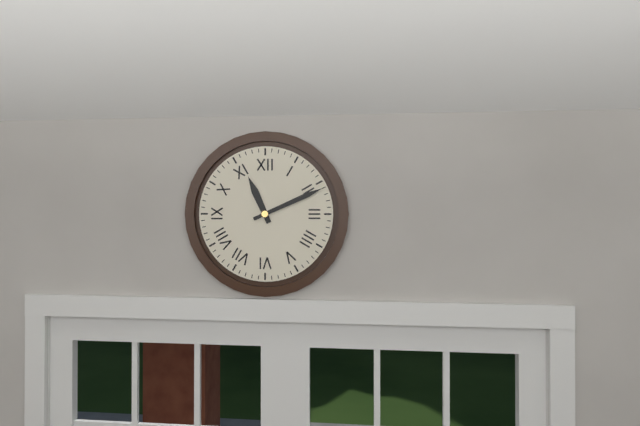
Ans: 11:11
